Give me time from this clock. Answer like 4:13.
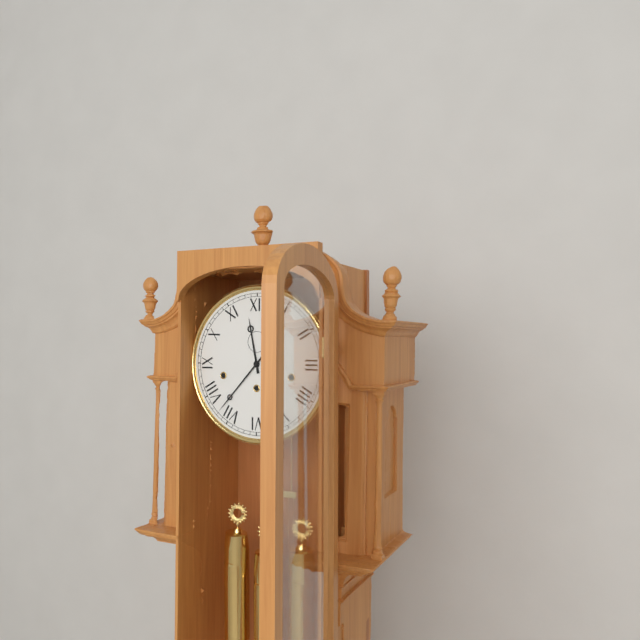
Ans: 11:37
